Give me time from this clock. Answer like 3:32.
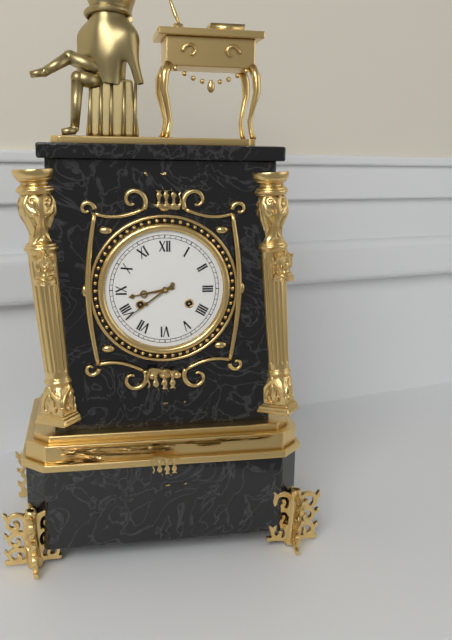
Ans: 8:39
